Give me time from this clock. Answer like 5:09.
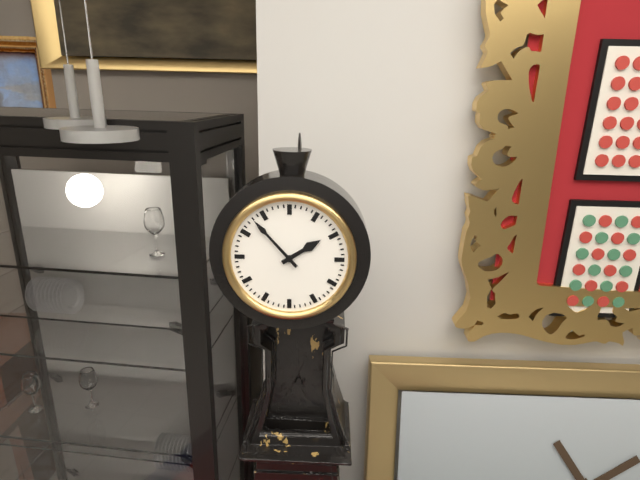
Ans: 1:53
